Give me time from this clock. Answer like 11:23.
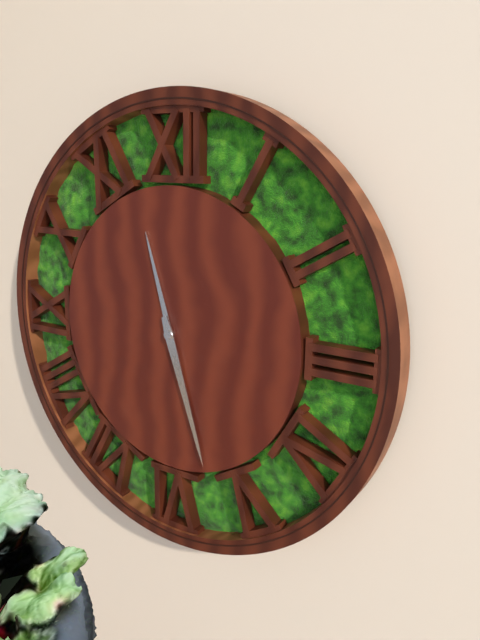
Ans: 11:27
